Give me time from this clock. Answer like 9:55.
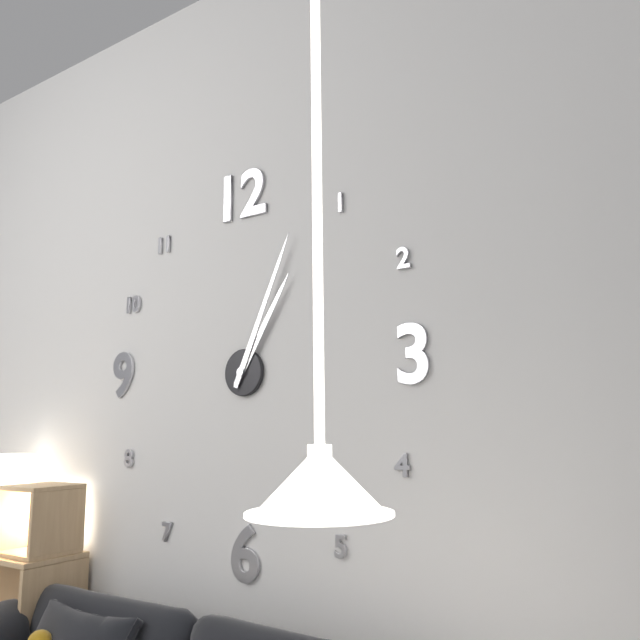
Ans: 1:04
